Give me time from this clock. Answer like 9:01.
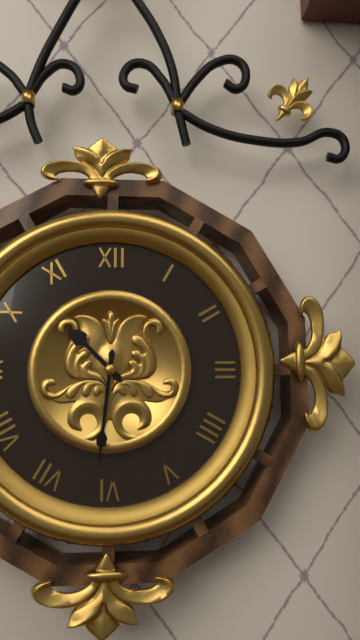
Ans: 10:31
